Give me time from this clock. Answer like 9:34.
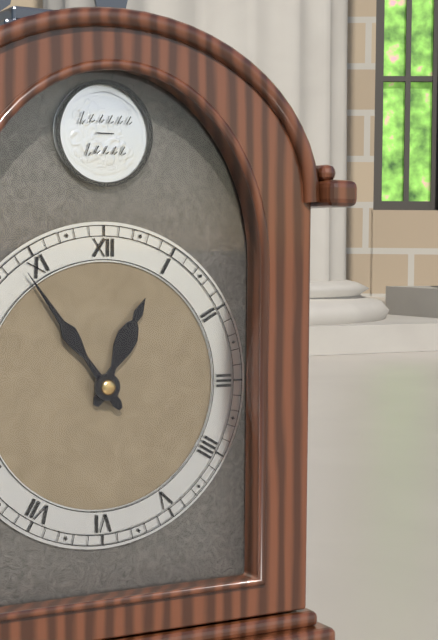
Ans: 12:54
